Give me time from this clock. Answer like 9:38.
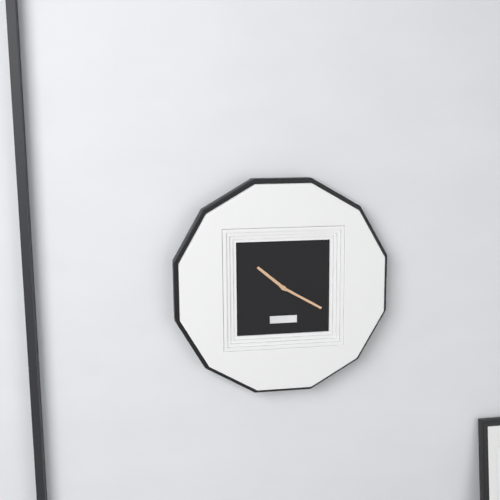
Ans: 10:20
